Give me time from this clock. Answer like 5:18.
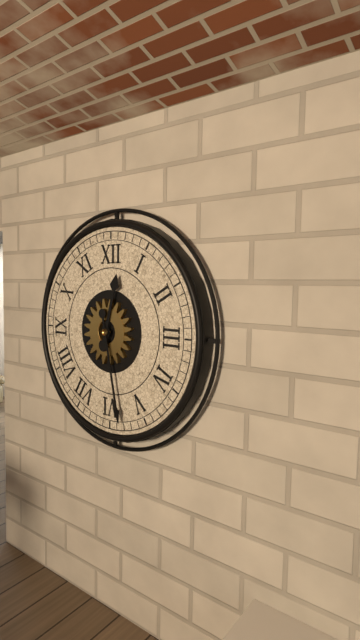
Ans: 12:28
